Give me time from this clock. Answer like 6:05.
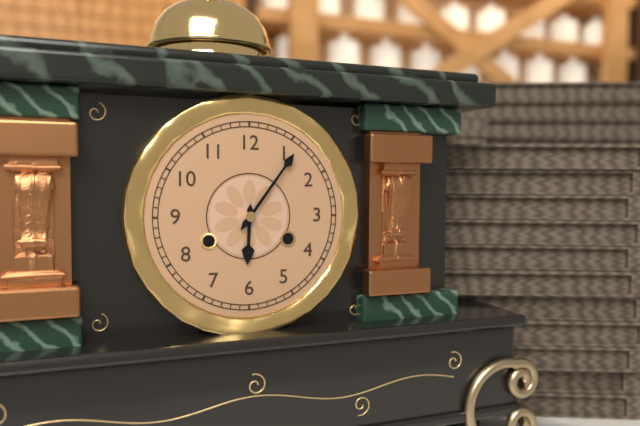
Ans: 6:06
